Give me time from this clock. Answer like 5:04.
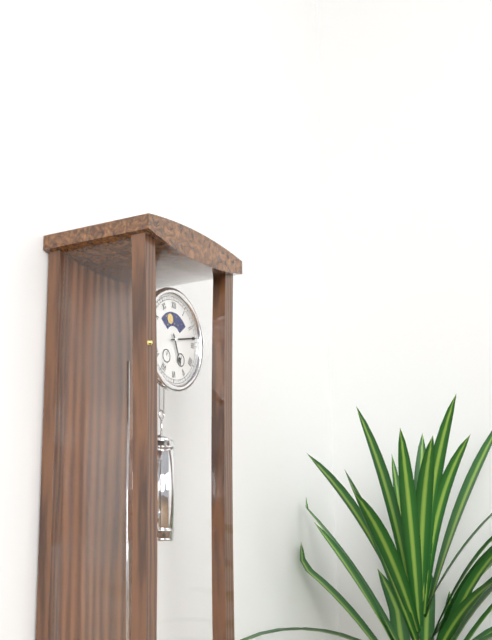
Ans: 5:13
